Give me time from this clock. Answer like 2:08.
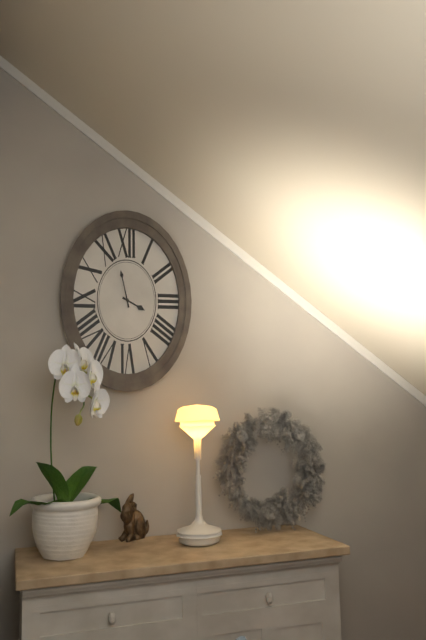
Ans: 3:58
